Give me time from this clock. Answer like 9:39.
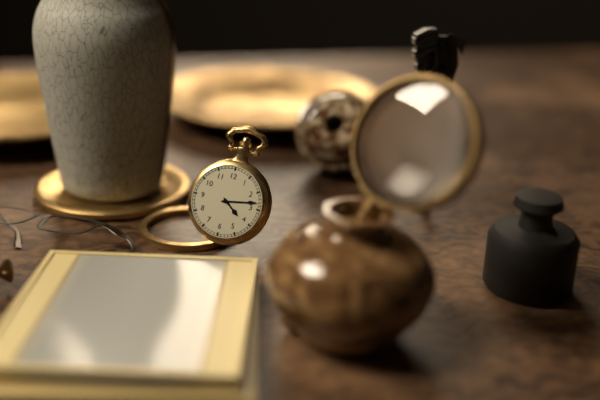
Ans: 4:13
